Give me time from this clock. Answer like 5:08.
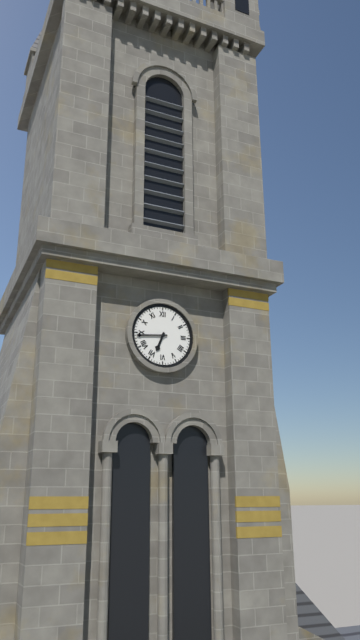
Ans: 6:44
